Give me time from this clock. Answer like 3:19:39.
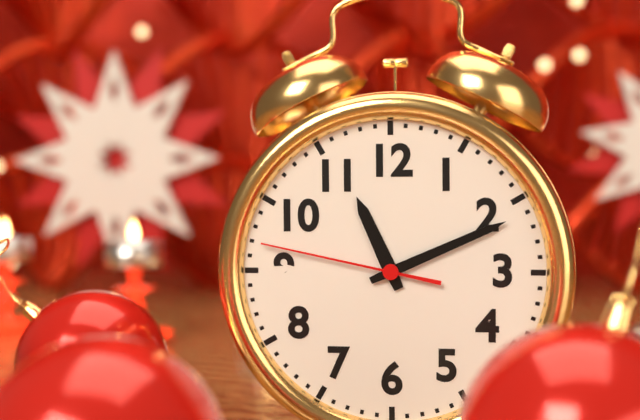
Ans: 11:11:47
